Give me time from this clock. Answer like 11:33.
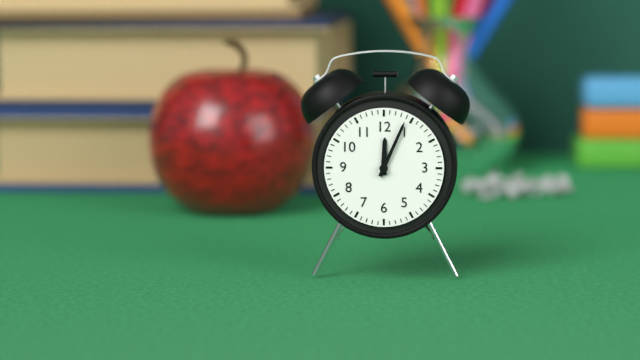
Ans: 12:04
